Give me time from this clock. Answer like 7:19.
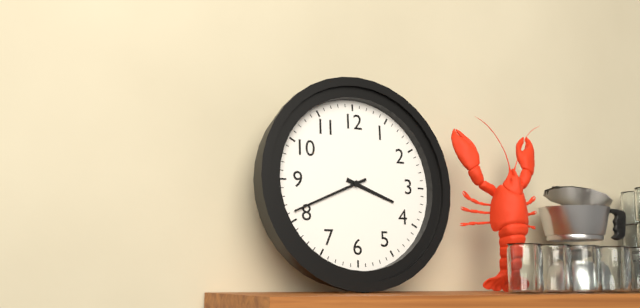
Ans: 3:41
